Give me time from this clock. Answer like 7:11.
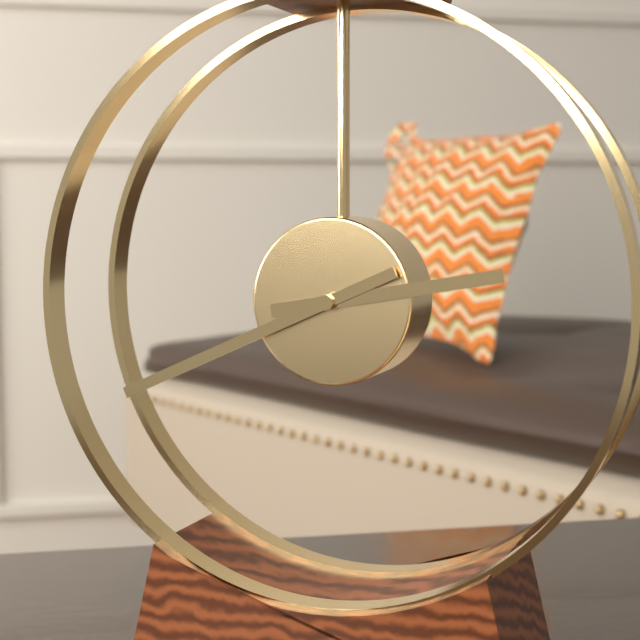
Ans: 2:41
